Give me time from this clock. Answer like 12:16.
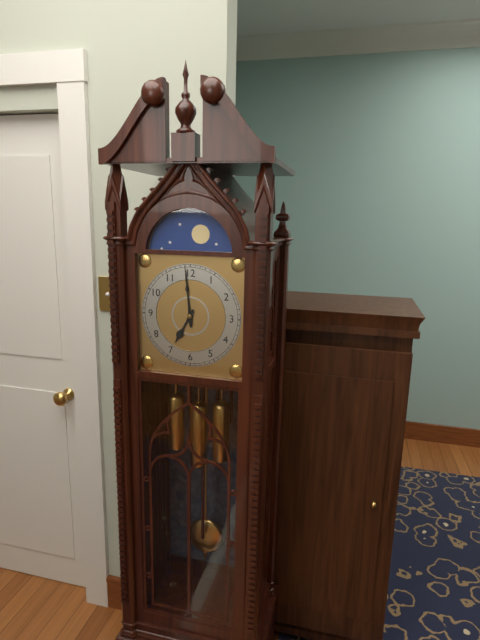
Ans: 6:59
